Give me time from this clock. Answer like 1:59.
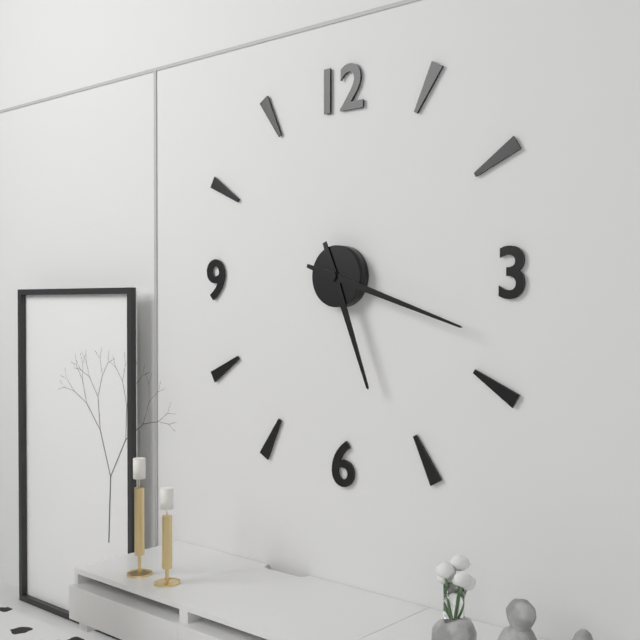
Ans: 5:18
